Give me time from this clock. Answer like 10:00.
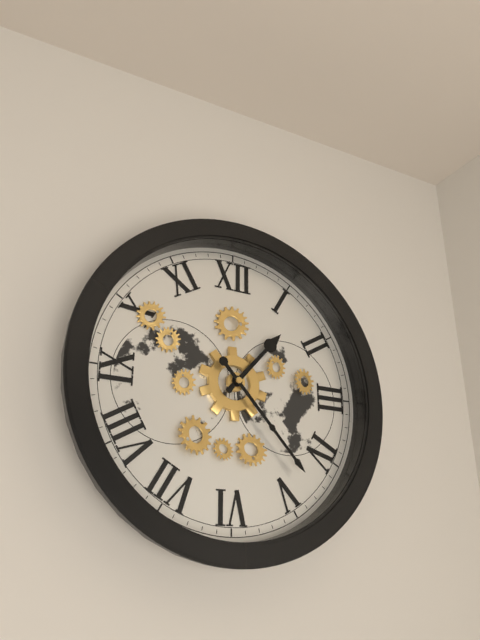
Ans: 1:23
